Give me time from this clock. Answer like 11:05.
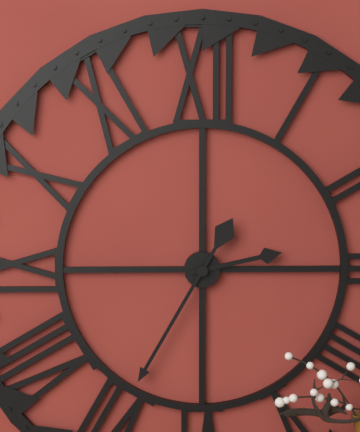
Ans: 2:35
